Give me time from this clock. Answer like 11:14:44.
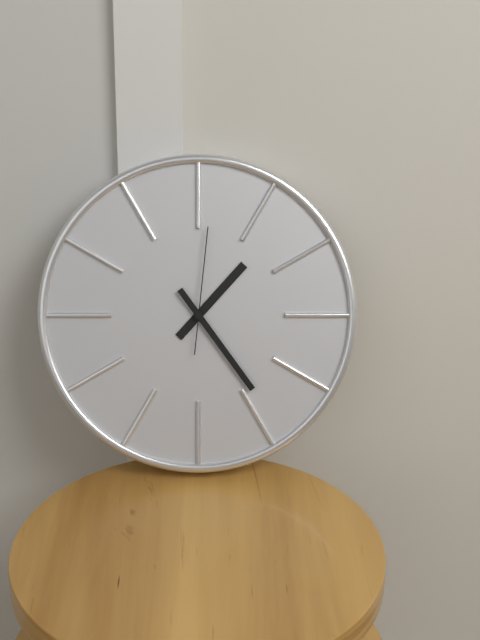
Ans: 1:24:01
